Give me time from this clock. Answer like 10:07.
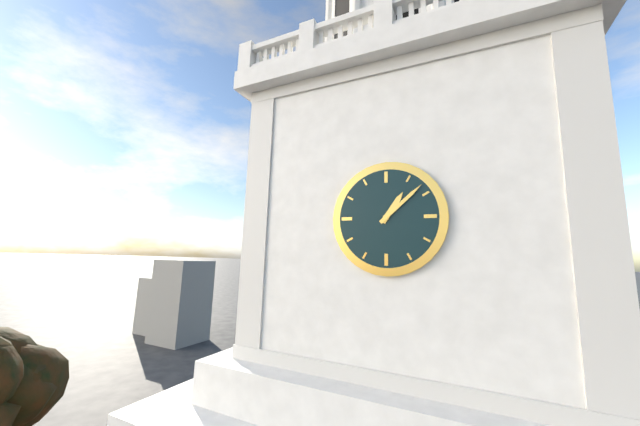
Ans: 1:08
